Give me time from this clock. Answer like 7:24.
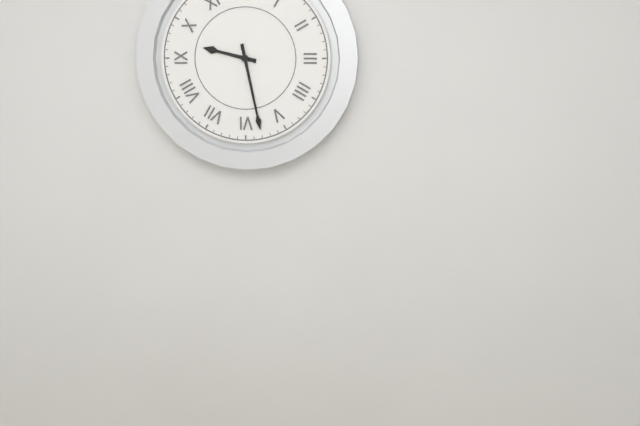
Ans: 9:28
